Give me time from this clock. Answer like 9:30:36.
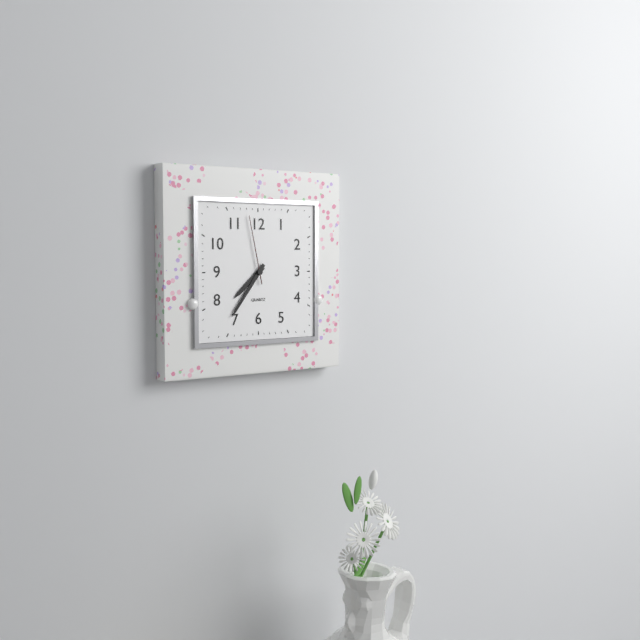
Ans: 7:36:58
